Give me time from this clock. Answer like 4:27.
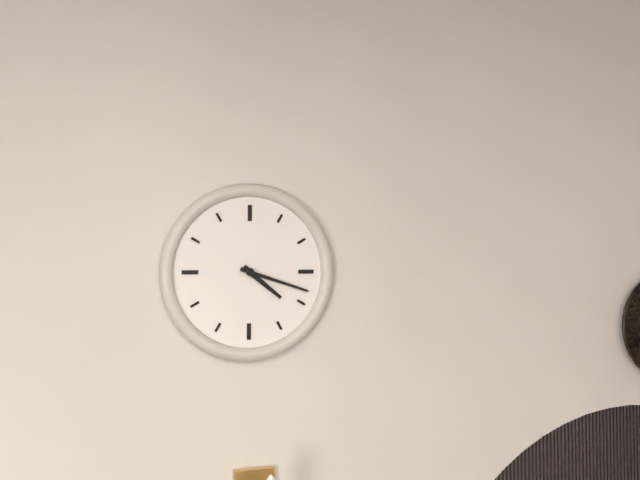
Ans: 4:18
